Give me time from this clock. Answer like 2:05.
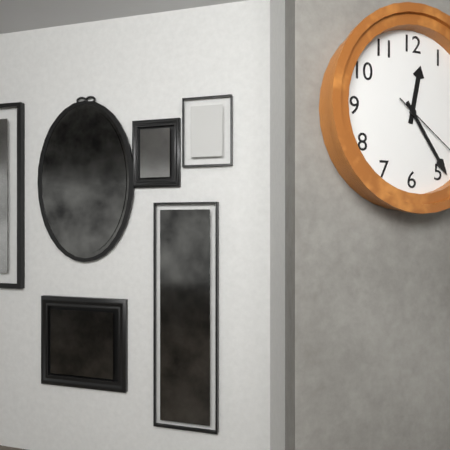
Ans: 12:24
